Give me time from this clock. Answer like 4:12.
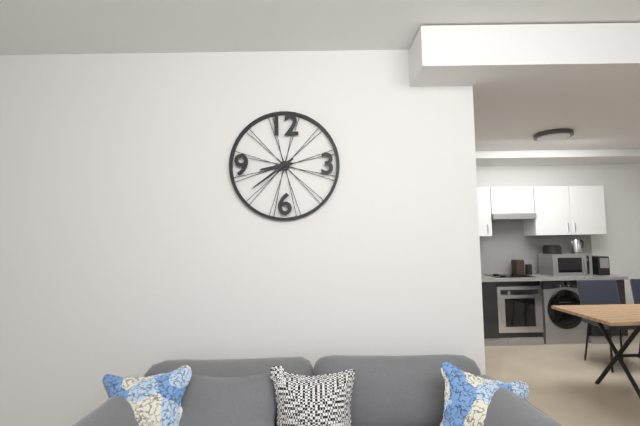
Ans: 8:39
